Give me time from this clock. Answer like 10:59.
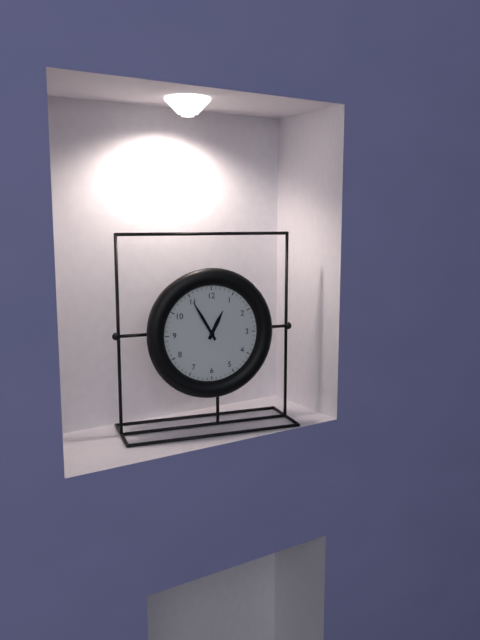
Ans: 12:55
